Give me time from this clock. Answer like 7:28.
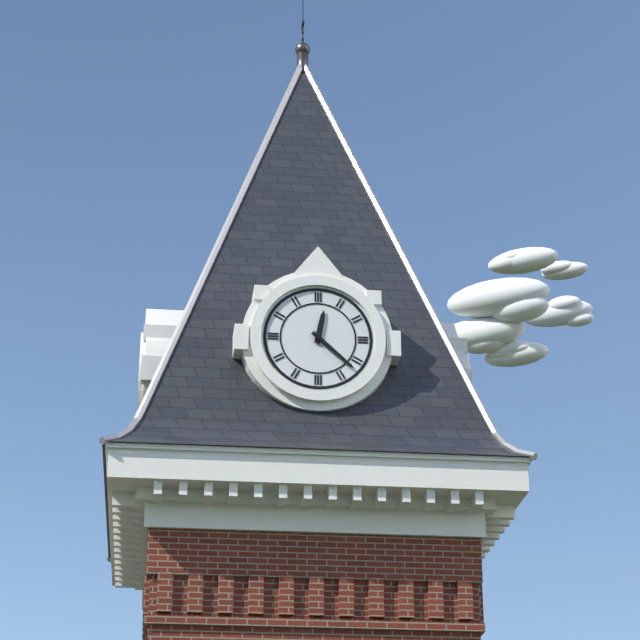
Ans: 12:22
